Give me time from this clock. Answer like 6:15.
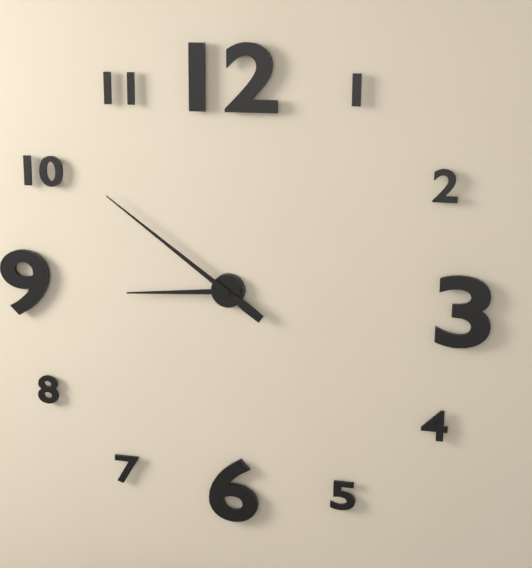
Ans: 8:51
